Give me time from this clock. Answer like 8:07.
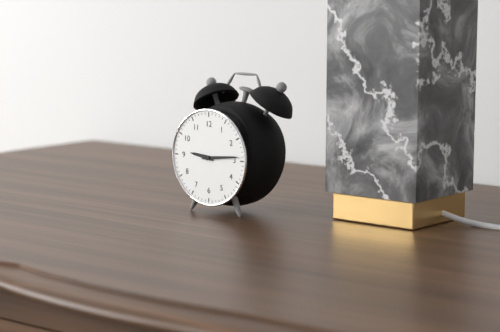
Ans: 9:14
